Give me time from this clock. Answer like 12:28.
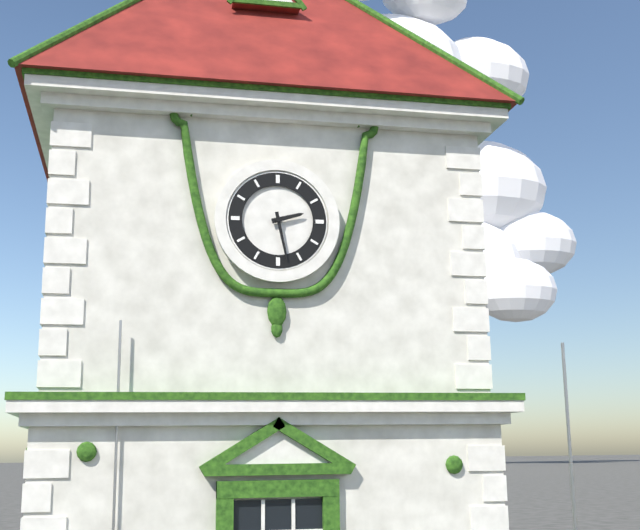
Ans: 2:28
